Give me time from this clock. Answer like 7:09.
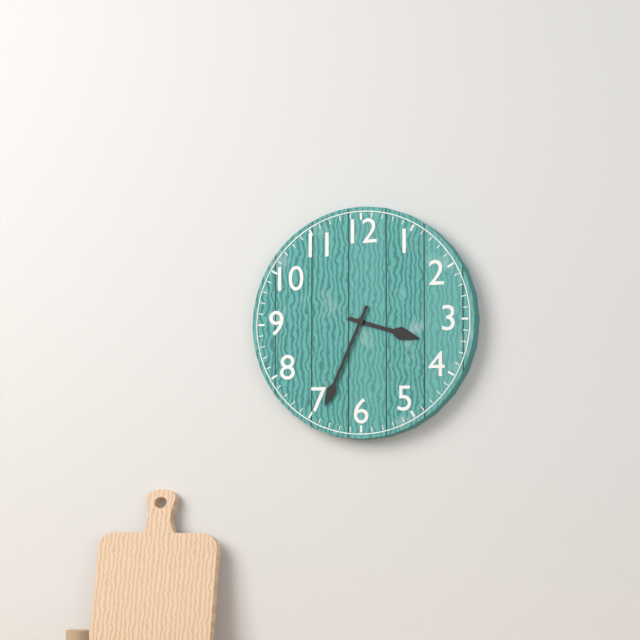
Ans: 3:34
